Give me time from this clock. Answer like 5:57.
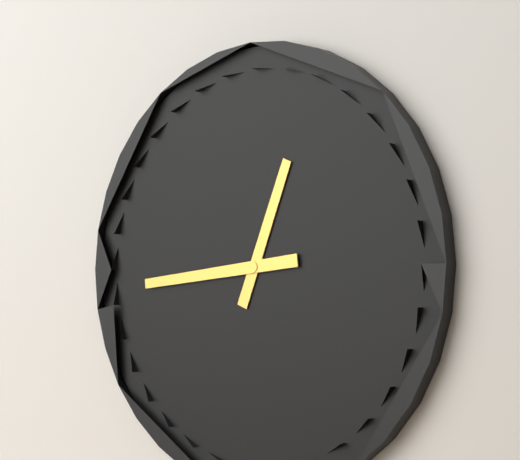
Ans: 12:44
